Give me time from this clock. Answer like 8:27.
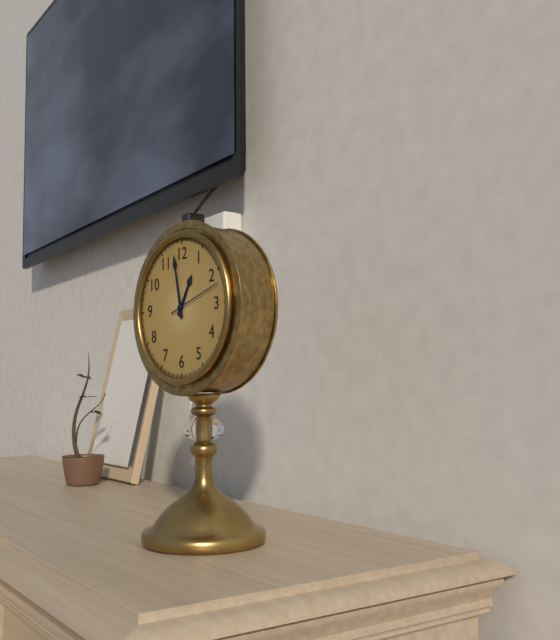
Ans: 12:58
